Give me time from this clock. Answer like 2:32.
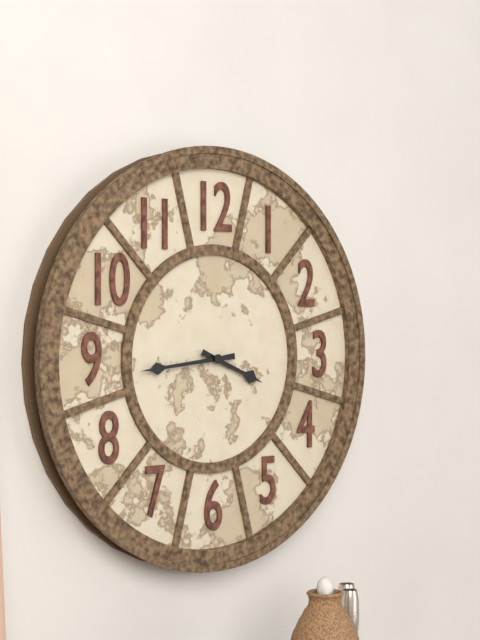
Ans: 3:44
